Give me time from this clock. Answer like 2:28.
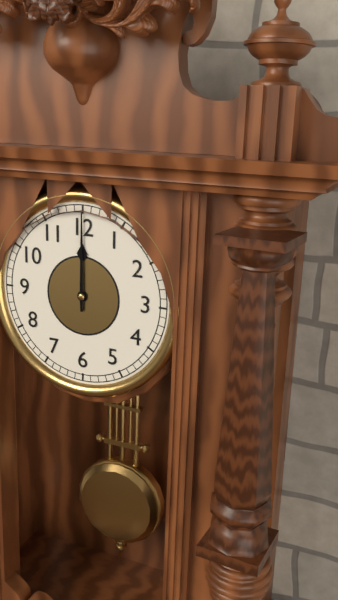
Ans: 12:00
